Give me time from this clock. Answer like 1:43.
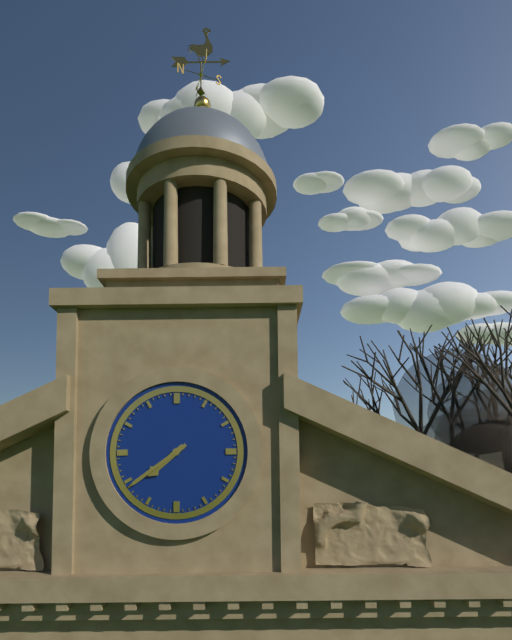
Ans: 7:39
